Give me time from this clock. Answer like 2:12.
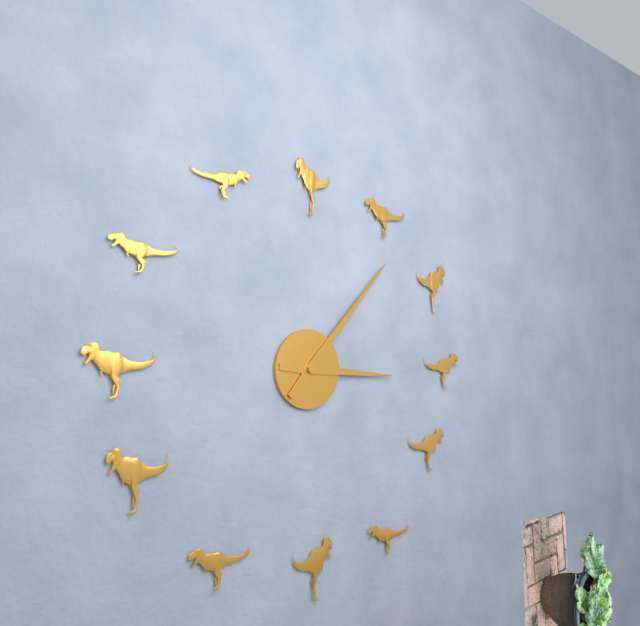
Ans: 3:07
